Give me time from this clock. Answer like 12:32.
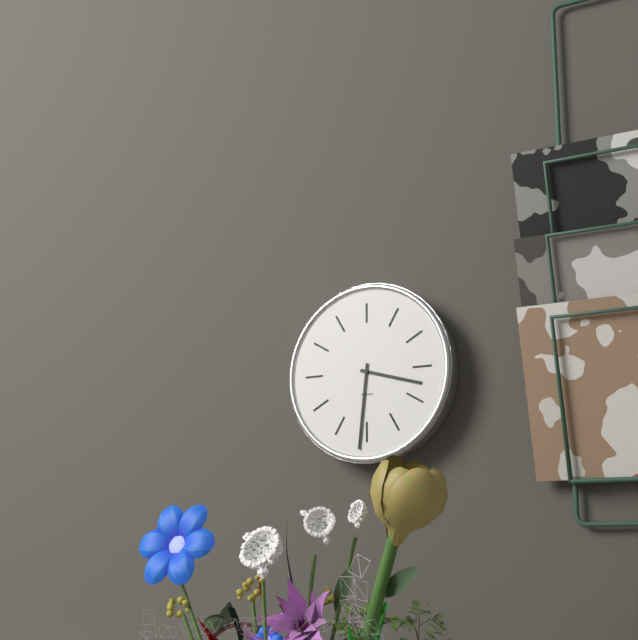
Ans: 3:31
